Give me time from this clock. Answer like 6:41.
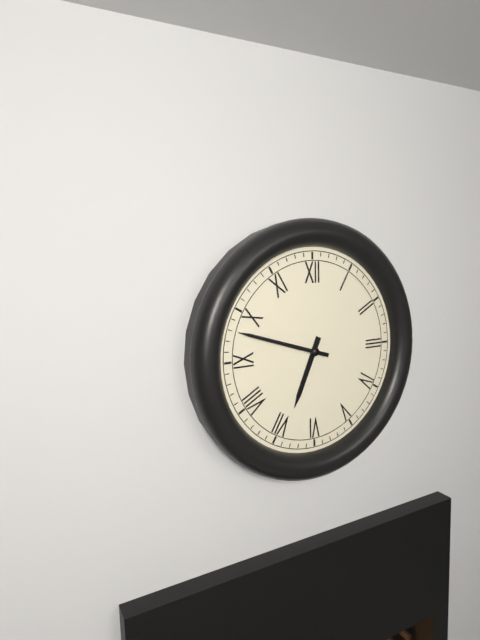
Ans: 6:48
